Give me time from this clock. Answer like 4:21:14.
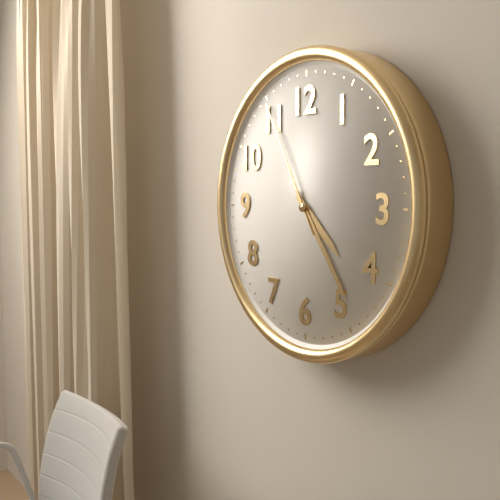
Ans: 4:24:55
